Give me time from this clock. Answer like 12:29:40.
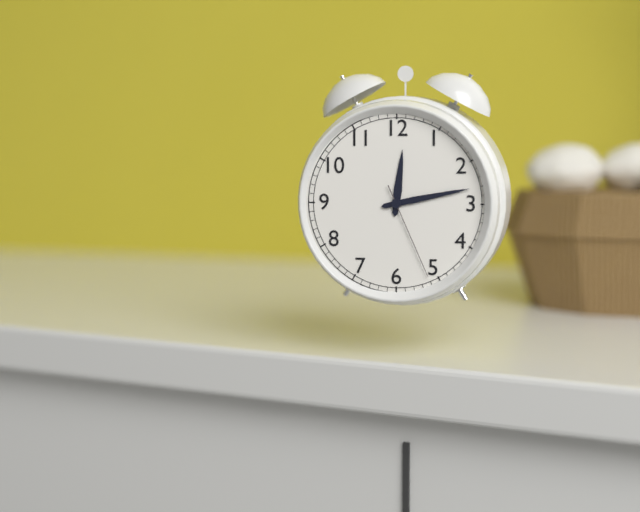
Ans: 12:13:26
